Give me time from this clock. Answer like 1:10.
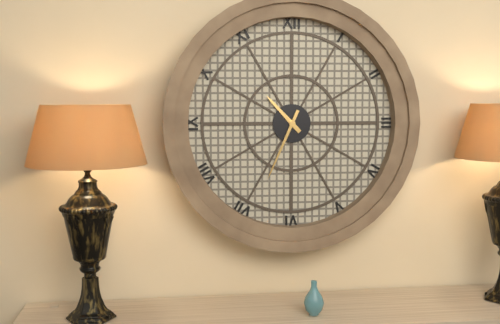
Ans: 10:34
